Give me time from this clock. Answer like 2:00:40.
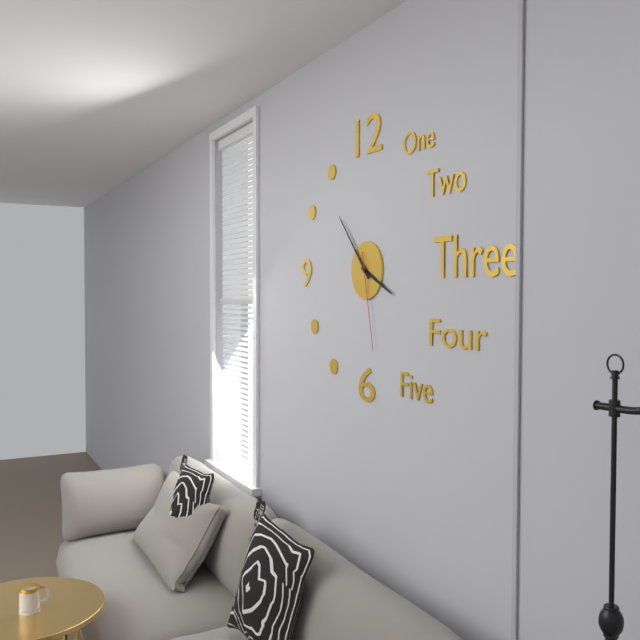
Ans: 3:53:28
